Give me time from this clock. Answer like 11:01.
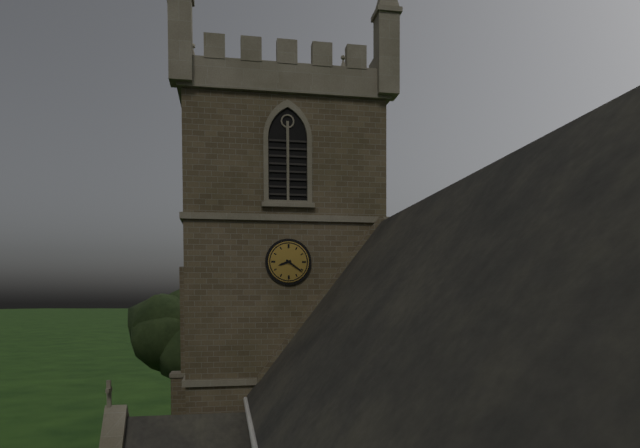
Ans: 8:21
